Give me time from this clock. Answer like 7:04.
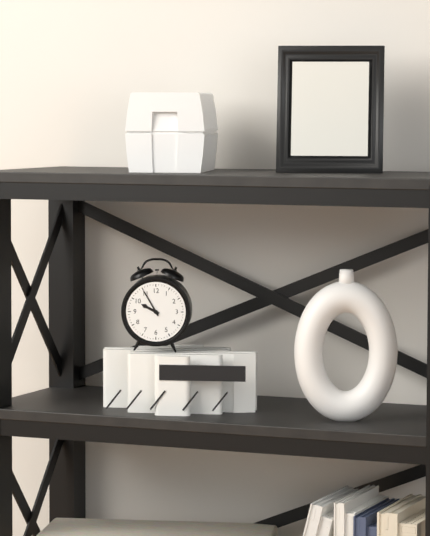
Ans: 9:55
